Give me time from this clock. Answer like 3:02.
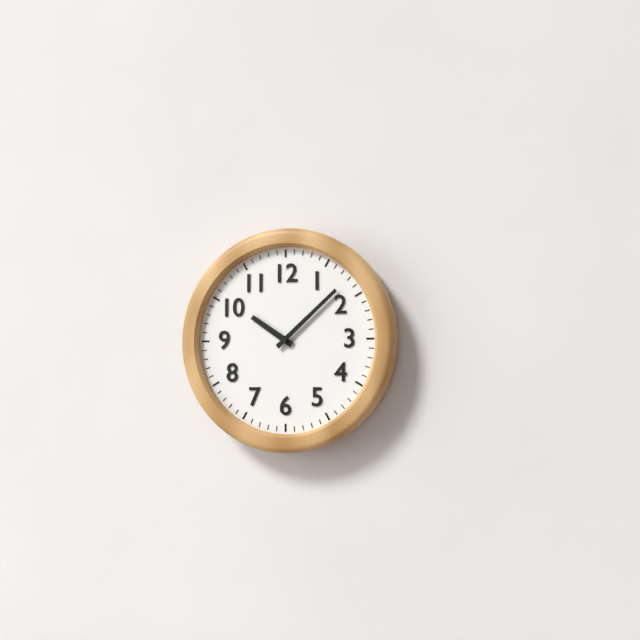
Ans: 10:08
